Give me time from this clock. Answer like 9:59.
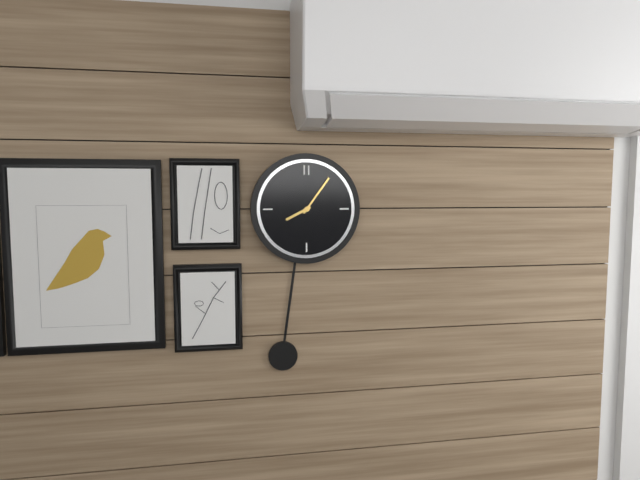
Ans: 8:06
